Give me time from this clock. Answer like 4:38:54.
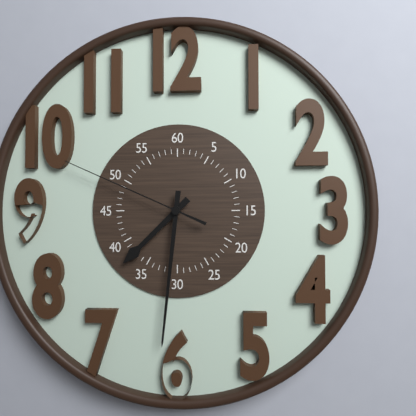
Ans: 7:31:49
